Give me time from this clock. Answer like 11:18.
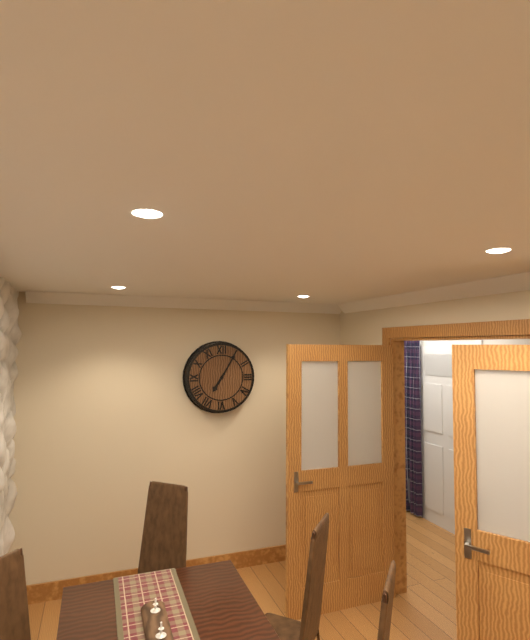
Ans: 7:05
